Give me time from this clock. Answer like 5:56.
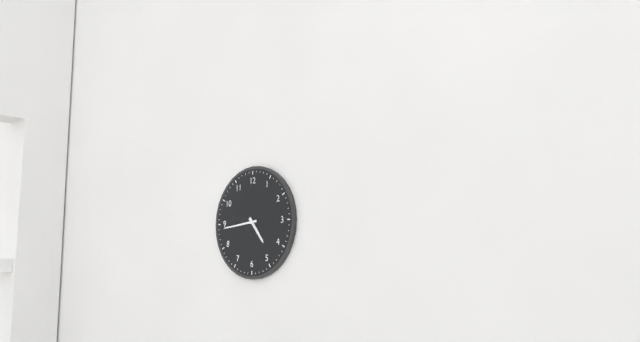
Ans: 4:44
